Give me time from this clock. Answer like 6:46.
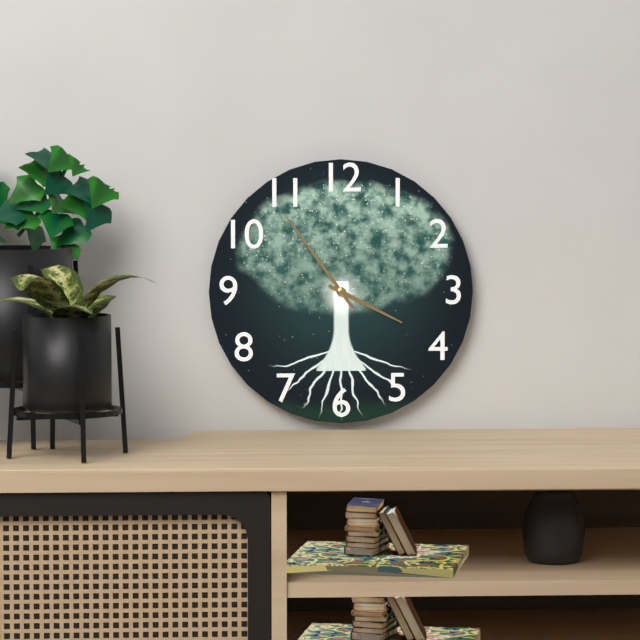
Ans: 3:54
